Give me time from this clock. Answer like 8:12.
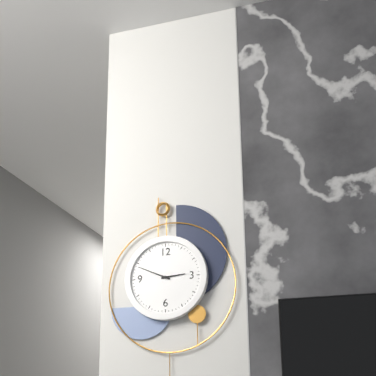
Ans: 2:49
